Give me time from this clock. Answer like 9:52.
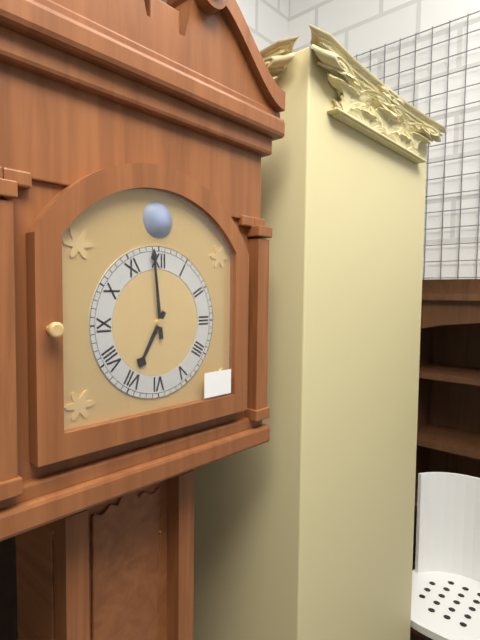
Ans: 6:59
